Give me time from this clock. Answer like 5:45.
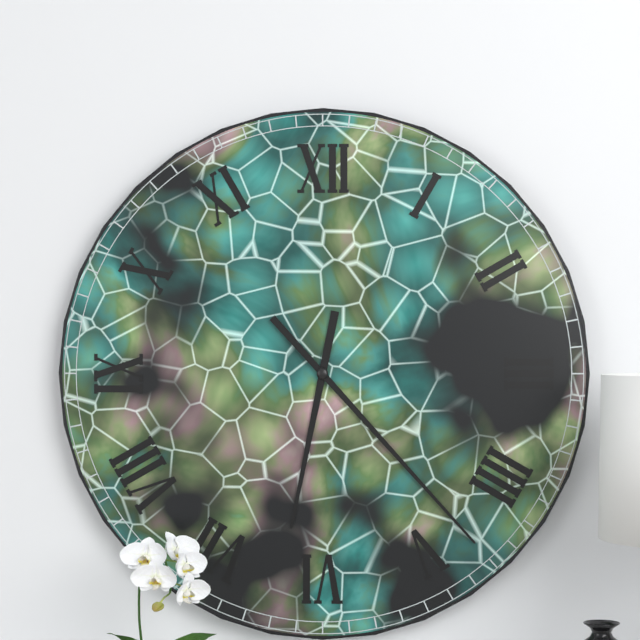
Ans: 6:23
